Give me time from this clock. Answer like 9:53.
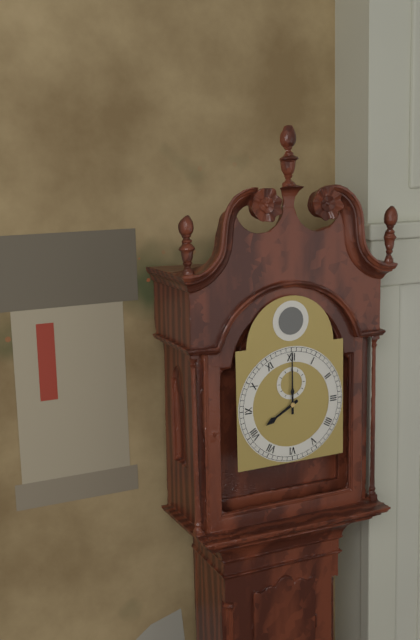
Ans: 8:00
